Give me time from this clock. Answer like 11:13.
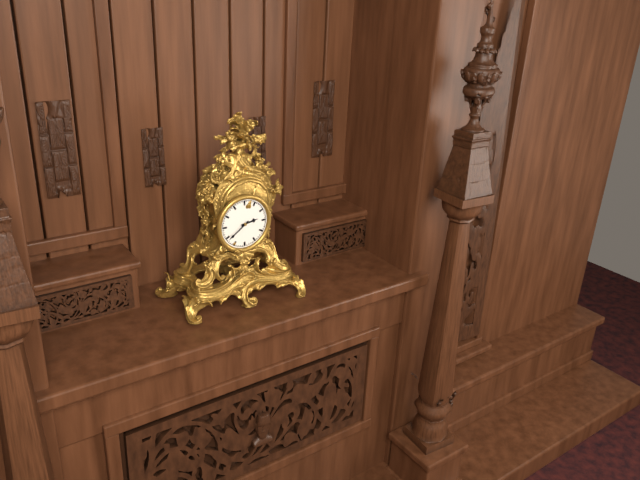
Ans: 2:39
